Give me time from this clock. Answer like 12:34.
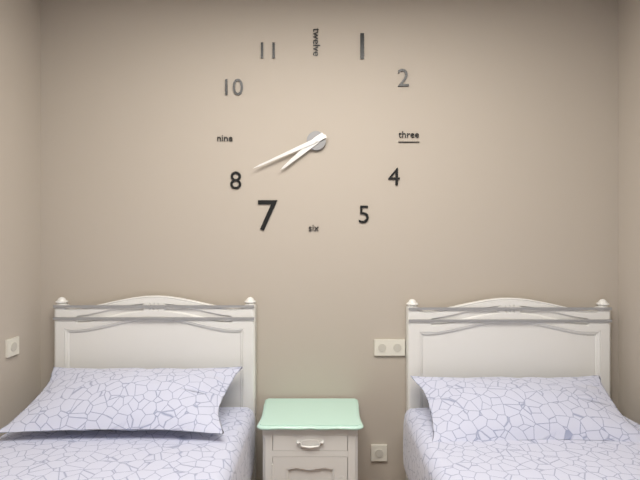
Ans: 7:41
